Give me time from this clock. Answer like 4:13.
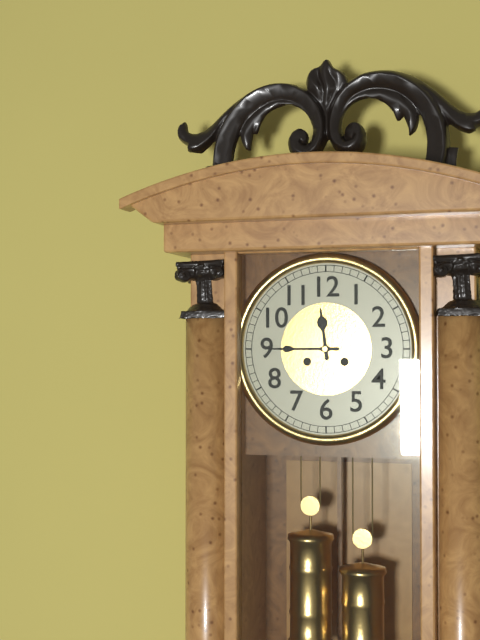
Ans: 11:45
